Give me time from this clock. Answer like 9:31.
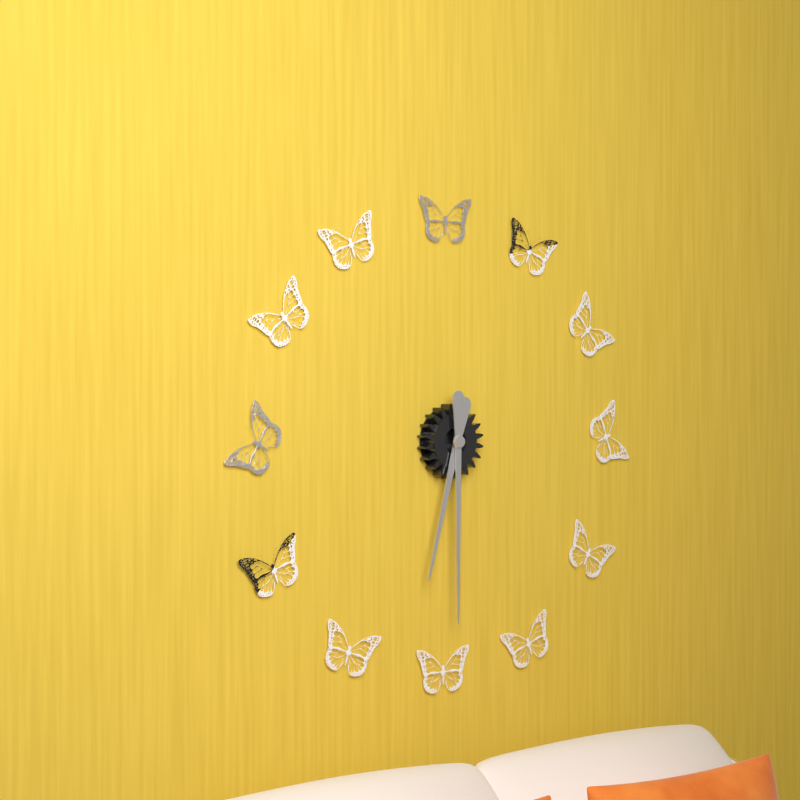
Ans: 6:30
